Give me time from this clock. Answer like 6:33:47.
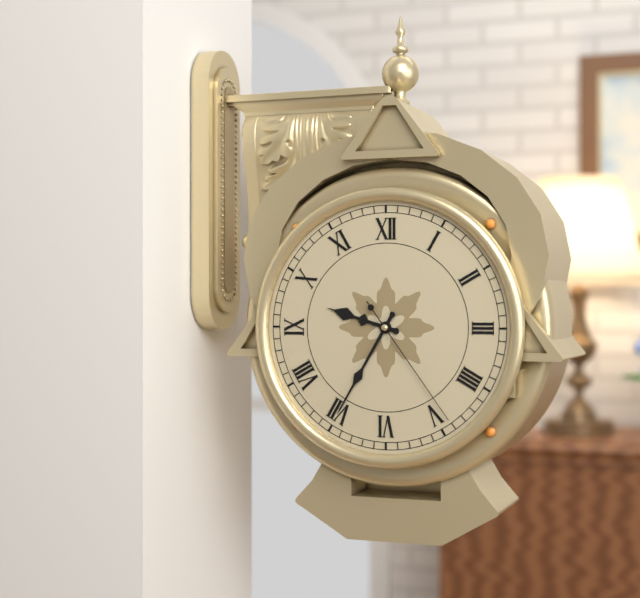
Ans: 9:35:24
